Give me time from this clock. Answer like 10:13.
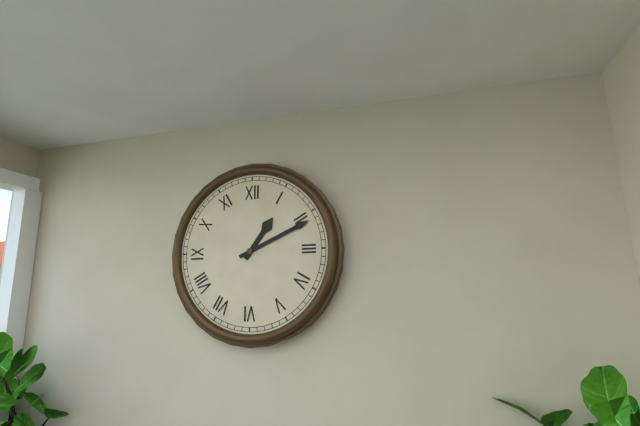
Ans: 1:11
